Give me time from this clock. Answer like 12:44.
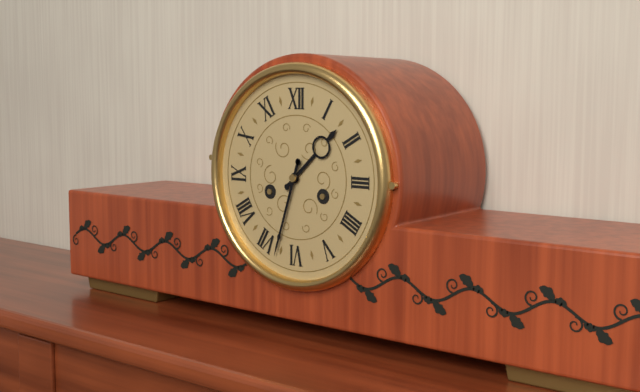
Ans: 1:33
